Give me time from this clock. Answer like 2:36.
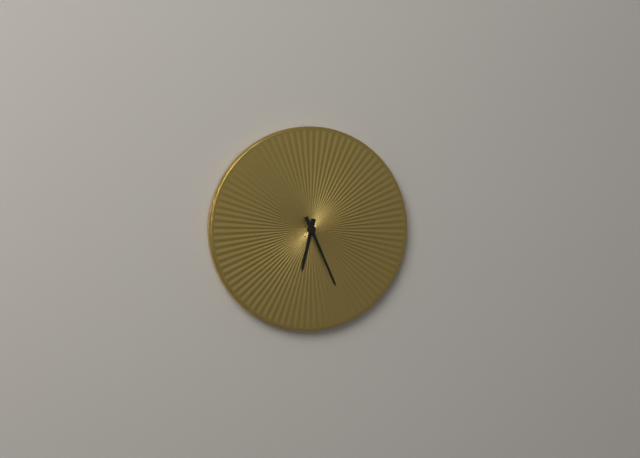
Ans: 6:26
